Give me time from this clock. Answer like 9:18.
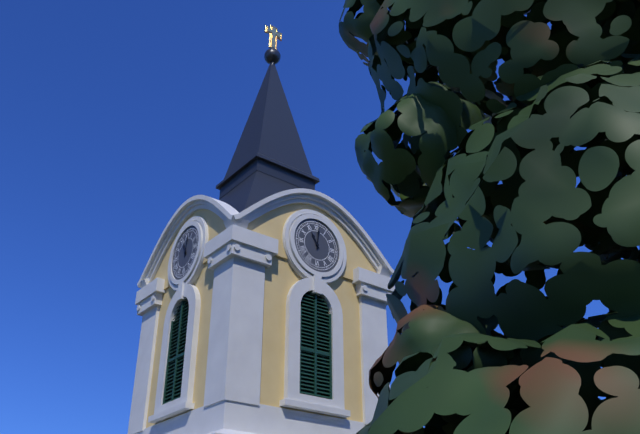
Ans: 11:01
